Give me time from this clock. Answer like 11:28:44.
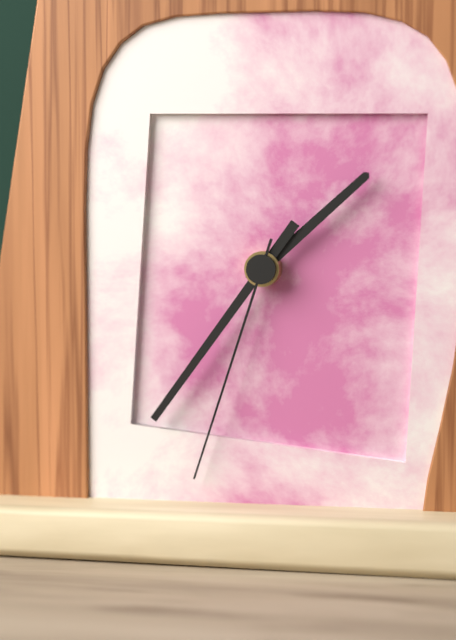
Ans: 1:36:33
